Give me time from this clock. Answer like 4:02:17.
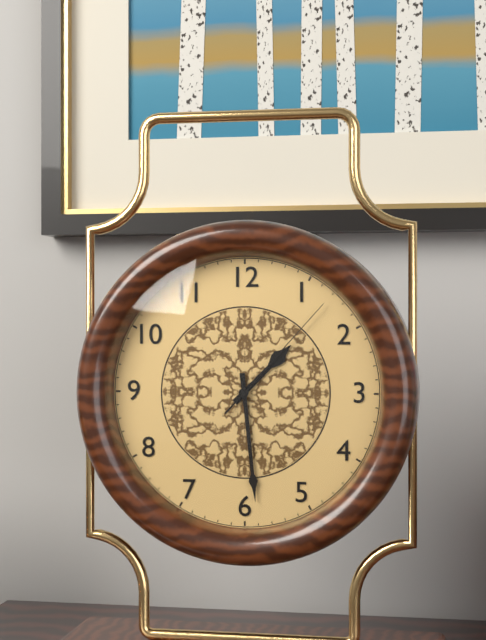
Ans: 1:29:07
